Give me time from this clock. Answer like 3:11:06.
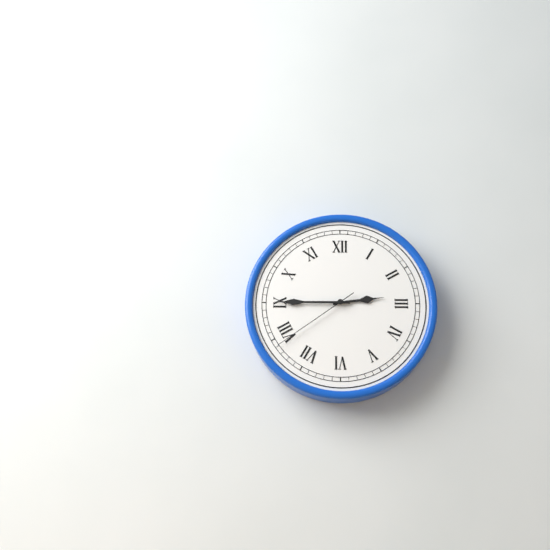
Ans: 2:45:39
